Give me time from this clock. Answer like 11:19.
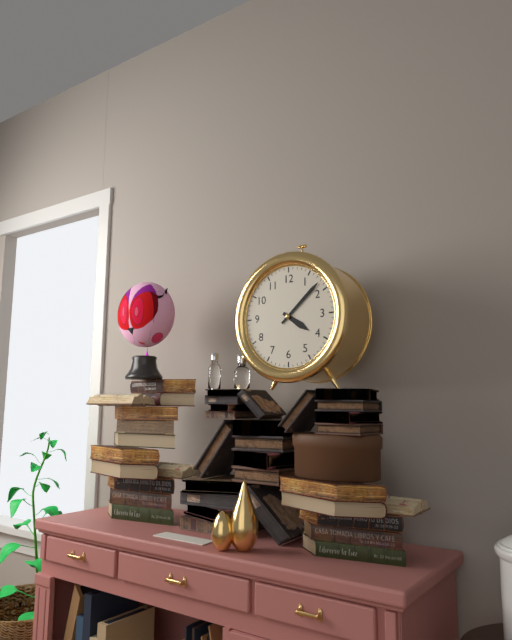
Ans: 4:08
